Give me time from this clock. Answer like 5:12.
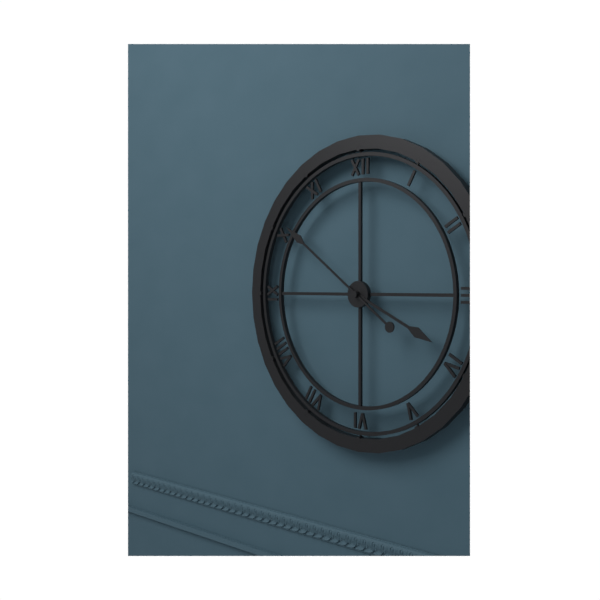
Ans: 3:51
